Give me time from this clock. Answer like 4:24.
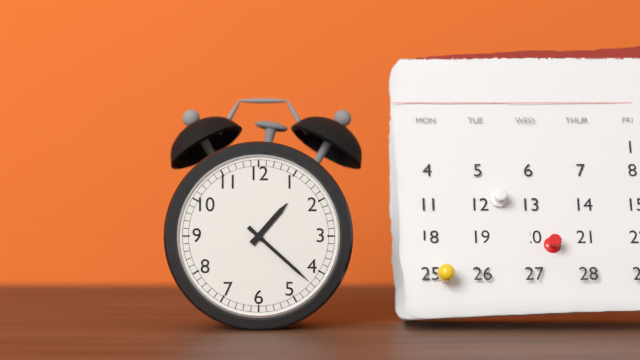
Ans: 1:22
